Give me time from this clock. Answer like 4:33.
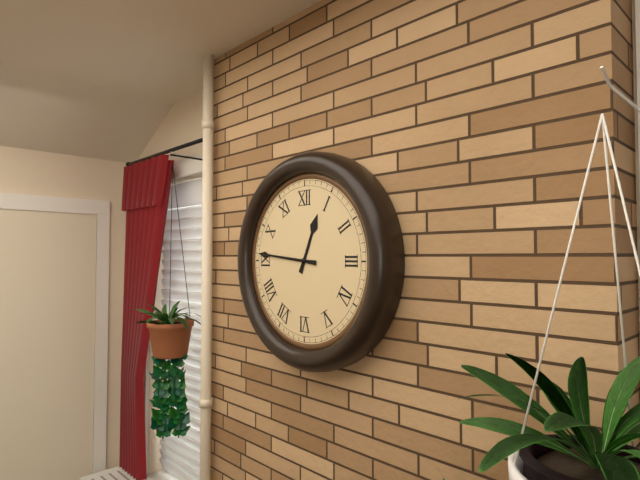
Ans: 12:46
